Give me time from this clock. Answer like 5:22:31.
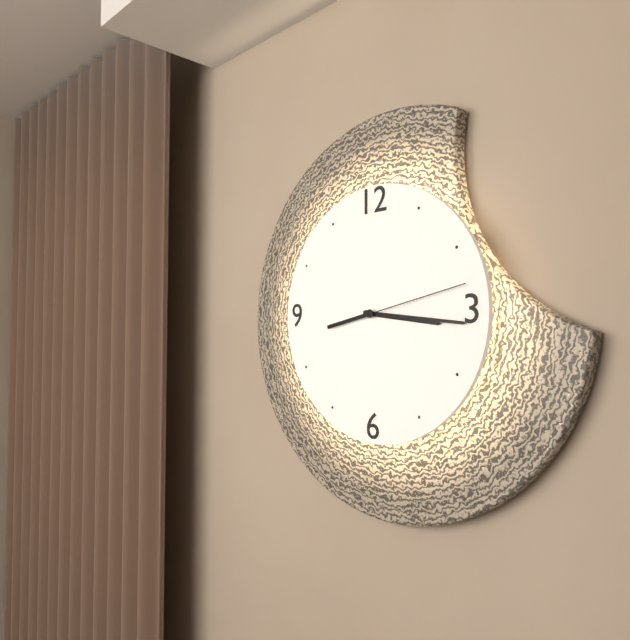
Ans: 3:16:13
